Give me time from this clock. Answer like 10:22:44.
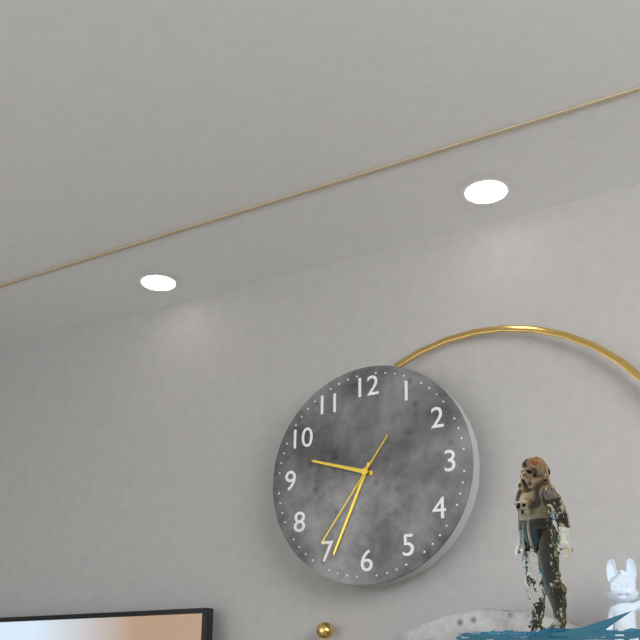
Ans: 9:34:36
